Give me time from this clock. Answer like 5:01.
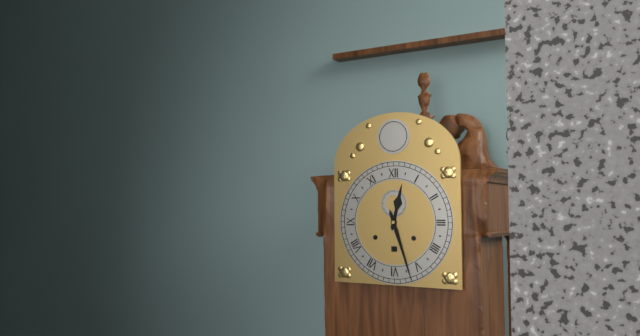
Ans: 12:27
